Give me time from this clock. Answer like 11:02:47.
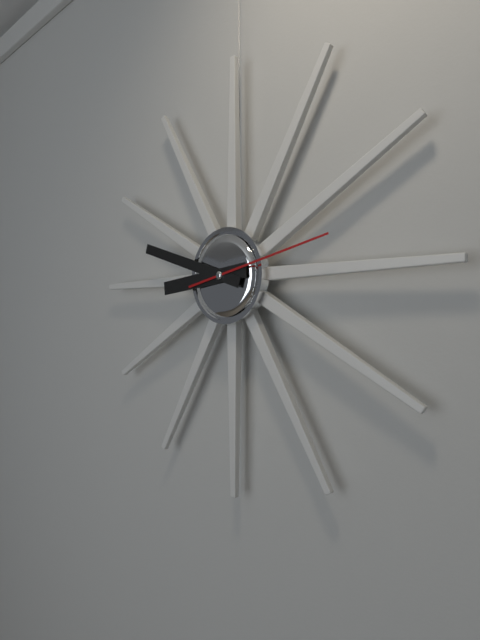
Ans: 8:48:13
